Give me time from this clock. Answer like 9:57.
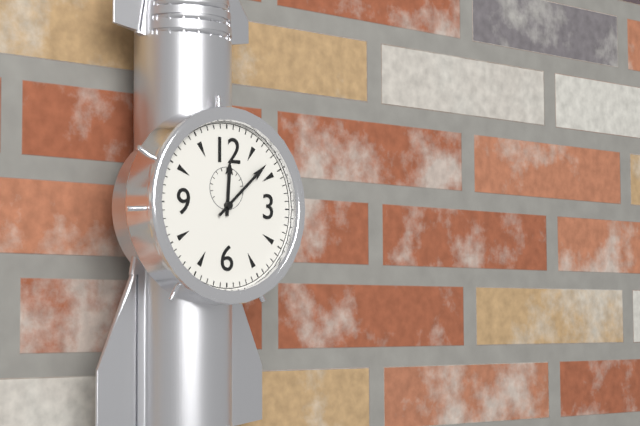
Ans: 12:08
